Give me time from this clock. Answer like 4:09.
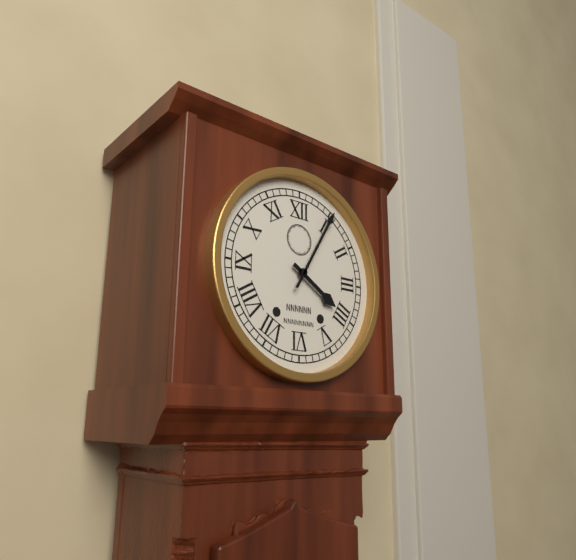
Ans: 4:05
